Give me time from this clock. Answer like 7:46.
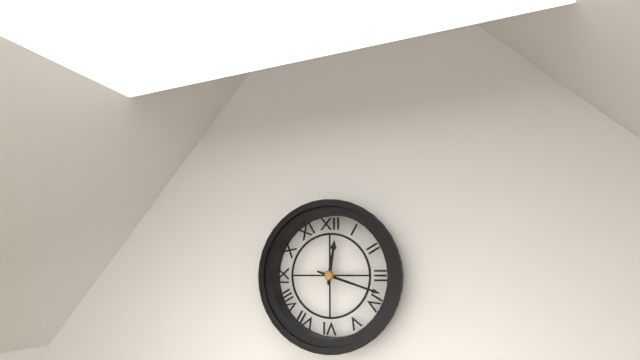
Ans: 12:18
